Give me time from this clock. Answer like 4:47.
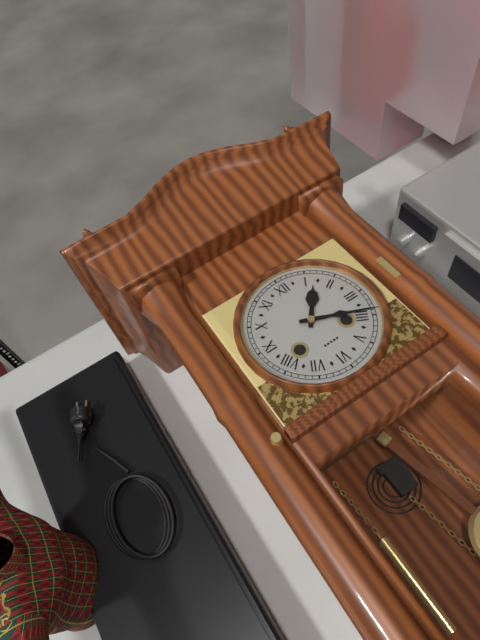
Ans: 1:19
